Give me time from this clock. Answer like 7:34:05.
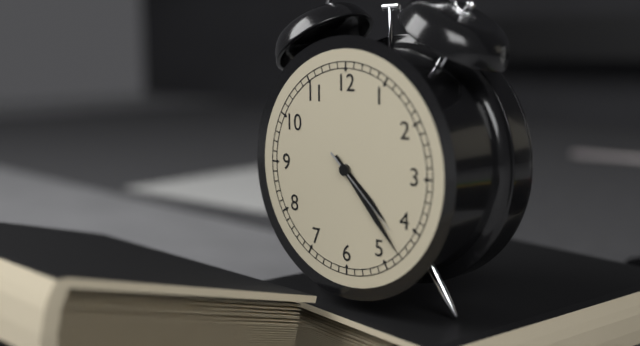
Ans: 4:23:22
